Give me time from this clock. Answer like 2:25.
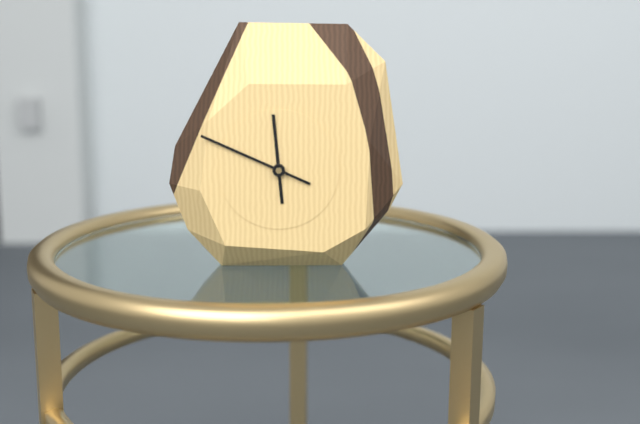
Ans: 11:49
